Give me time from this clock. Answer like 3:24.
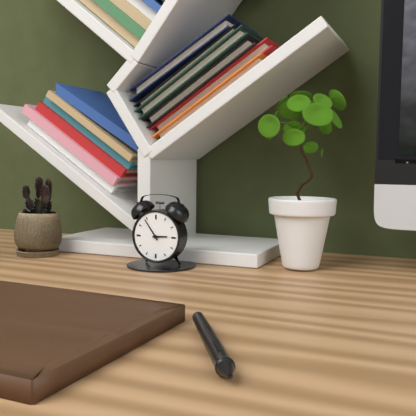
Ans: 2:54
